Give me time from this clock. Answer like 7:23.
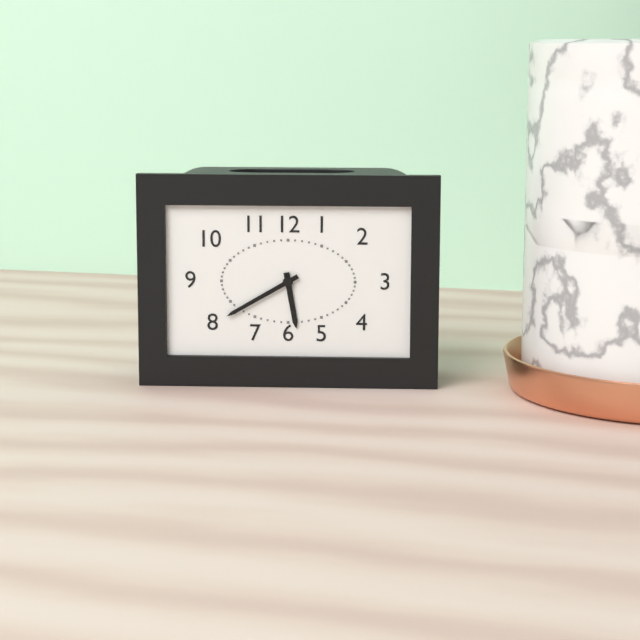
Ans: 5:40
